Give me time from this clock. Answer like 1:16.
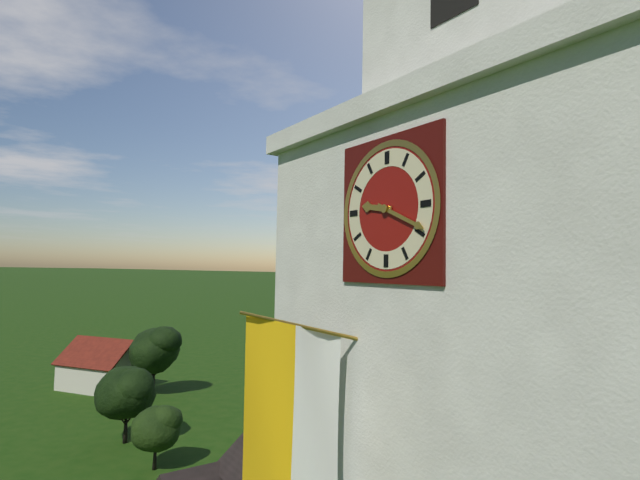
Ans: 9:19
